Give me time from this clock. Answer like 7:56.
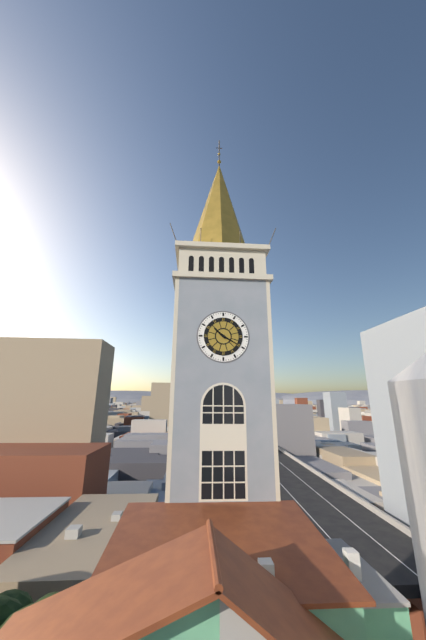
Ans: 10:20
